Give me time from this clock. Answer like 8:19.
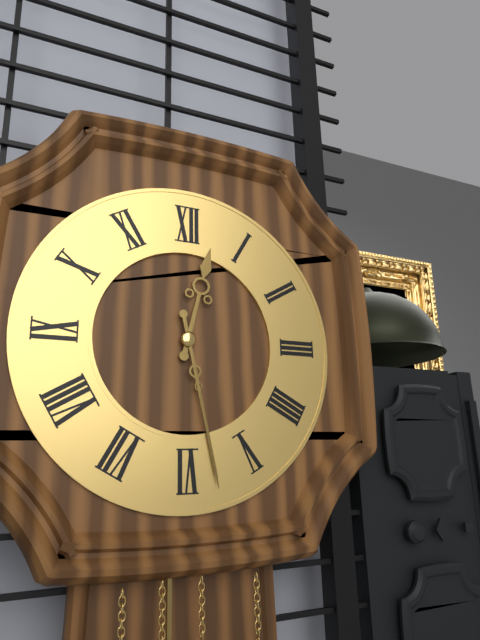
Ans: 12:28
